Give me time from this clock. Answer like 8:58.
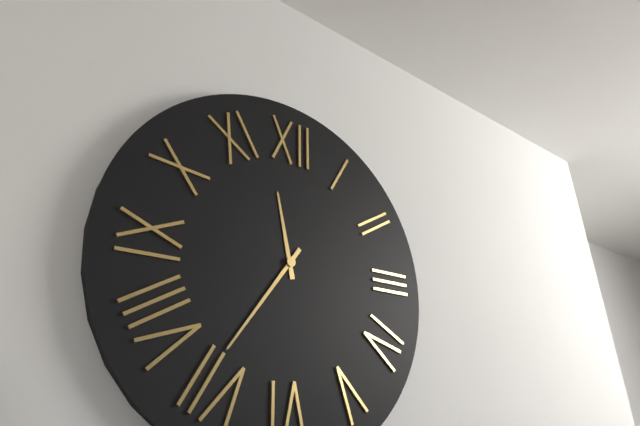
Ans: 11:36
